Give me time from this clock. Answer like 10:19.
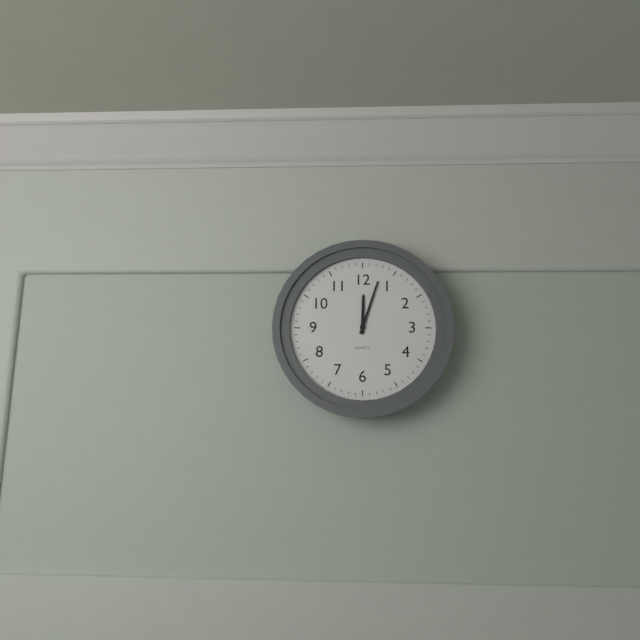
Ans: 12:03
